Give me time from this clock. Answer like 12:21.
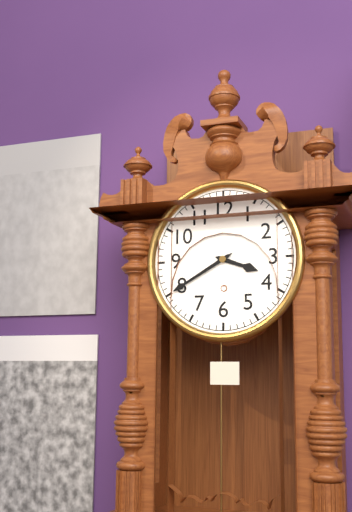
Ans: 3:40
